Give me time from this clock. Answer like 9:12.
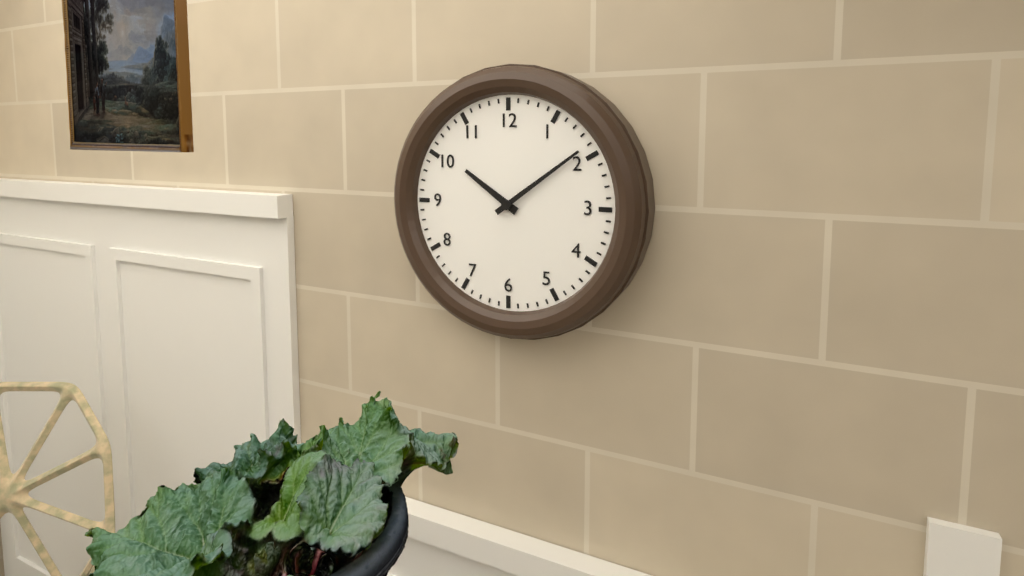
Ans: 10:09
